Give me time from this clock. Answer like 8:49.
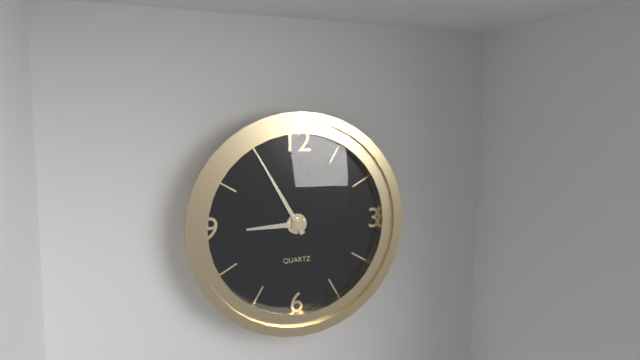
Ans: 8:55
